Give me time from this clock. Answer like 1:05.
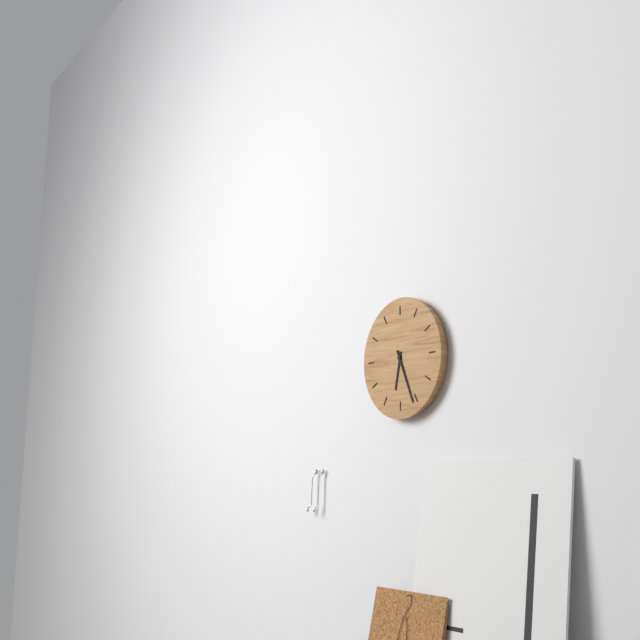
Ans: 6:26
